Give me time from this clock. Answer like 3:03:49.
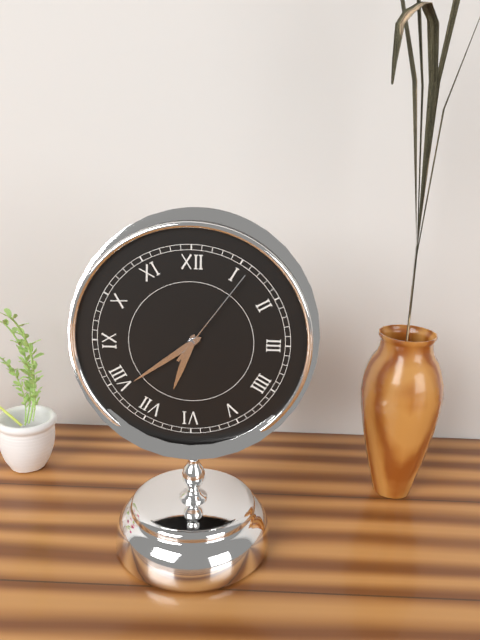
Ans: 6:39:06
